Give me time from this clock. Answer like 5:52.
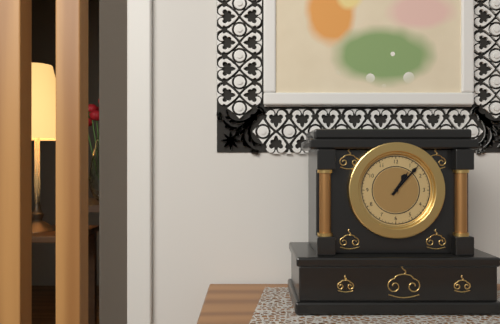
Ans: 1:07
